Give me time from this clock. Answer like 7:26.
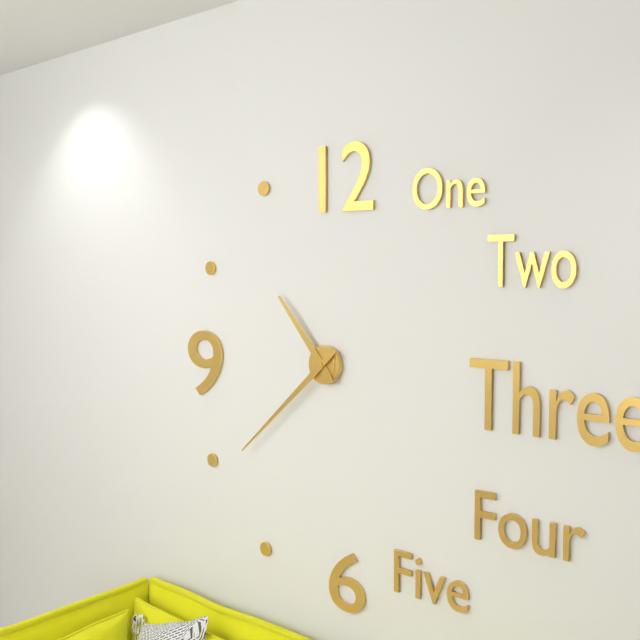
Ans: 10:38
